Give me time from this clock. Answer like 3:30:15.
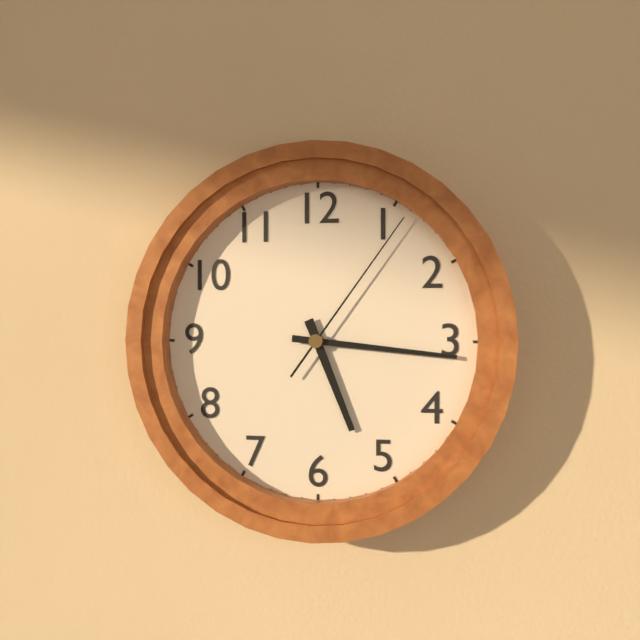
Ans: 5:16:06
